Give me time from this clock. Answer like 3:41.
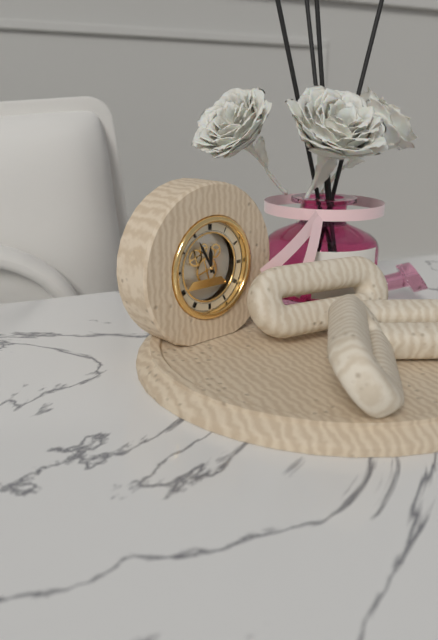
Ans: 11:55
